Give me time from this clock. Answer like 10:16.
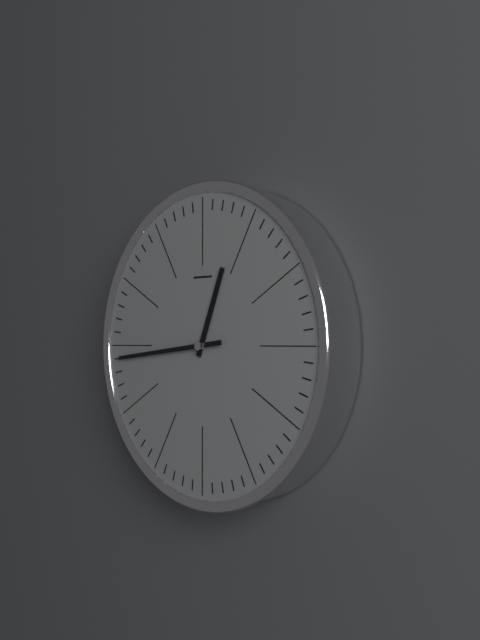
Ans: 12:44
